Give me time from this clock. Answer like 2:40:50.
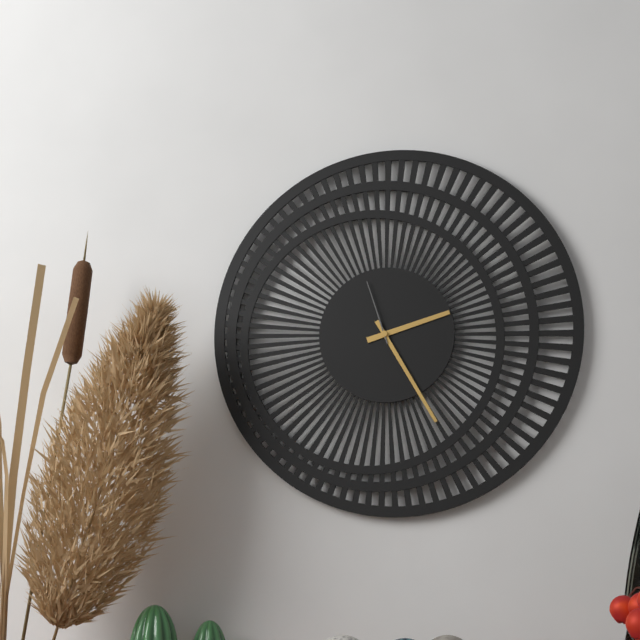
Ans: 2:25:57
